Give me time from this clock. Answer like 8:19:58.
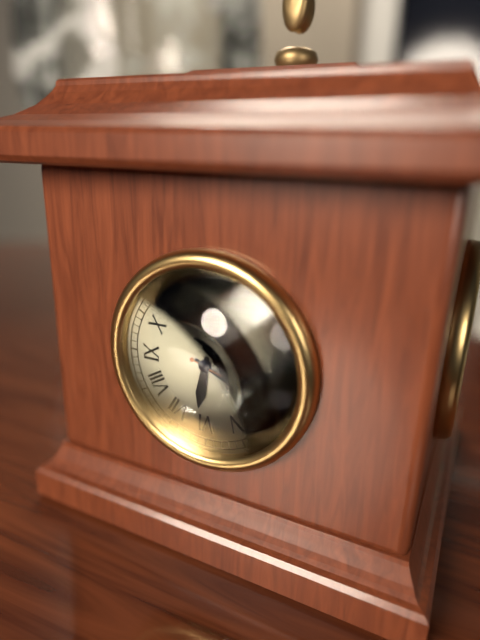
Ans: 6:19:18
